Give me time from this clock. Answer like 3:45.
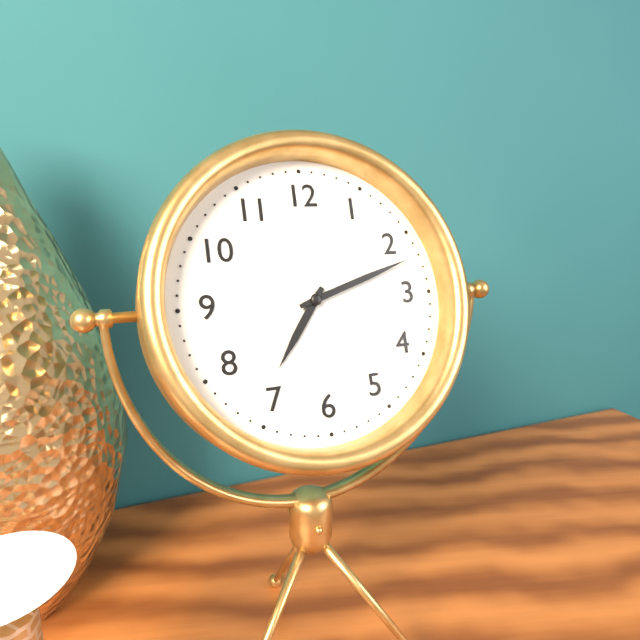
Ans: 7:12
